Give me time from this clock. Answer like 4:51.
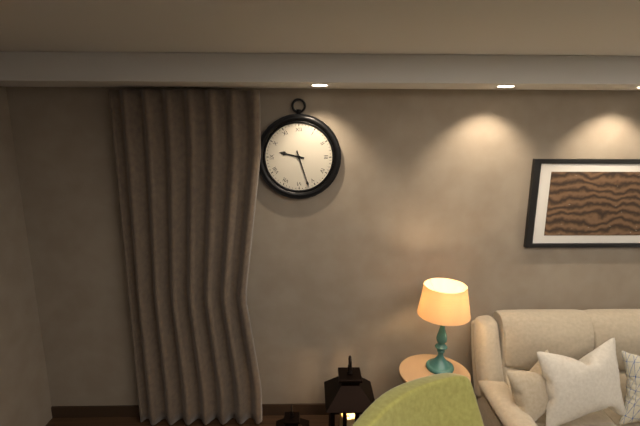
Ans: 9:27
